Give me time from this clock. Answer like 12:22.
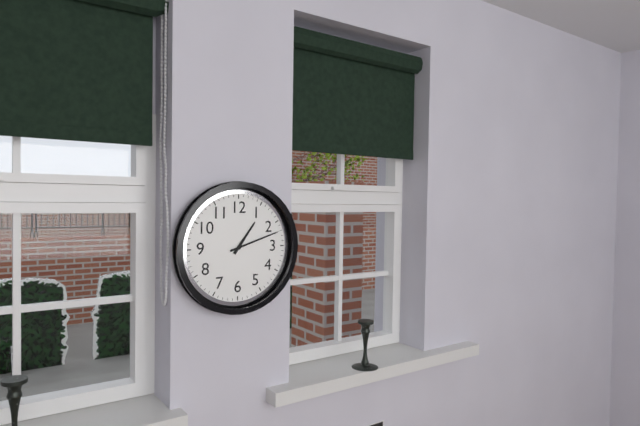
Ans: 1:12
